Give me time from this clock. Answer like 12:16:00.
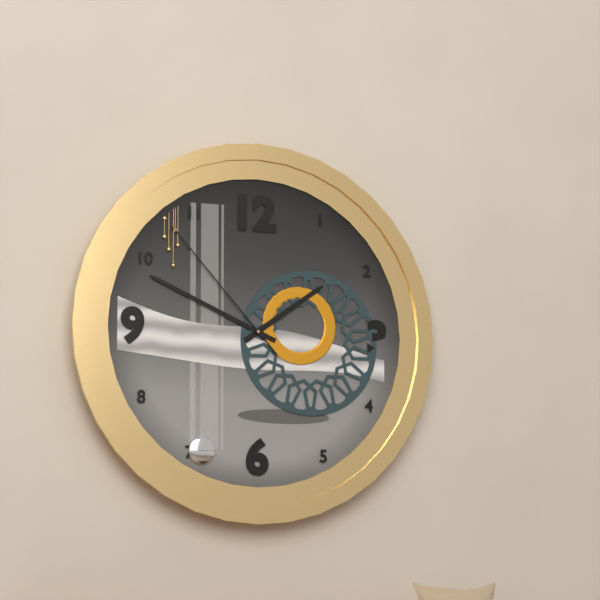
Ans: 1:49:53
